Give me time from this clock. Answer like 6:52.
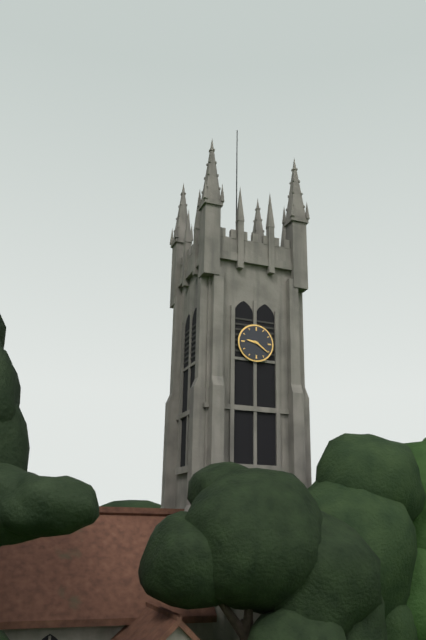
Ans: 9:21
